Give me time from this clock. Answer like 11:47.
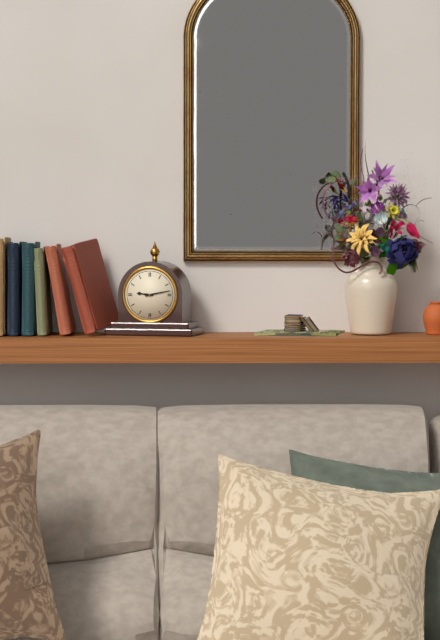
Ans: 9:13
